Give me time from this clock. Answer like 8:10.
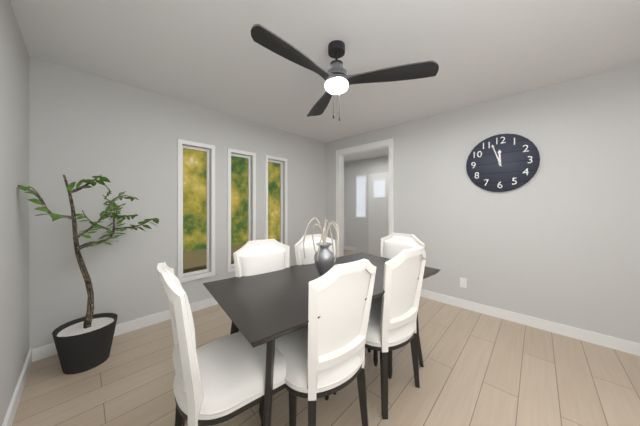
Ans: 11:57
